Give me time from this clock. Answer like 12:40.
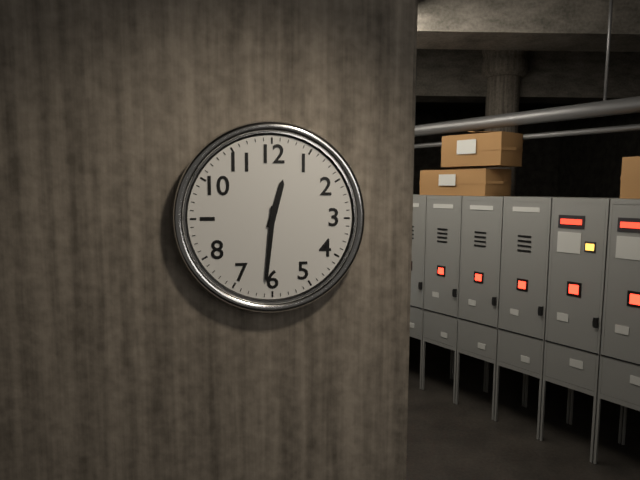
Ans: 12:31
